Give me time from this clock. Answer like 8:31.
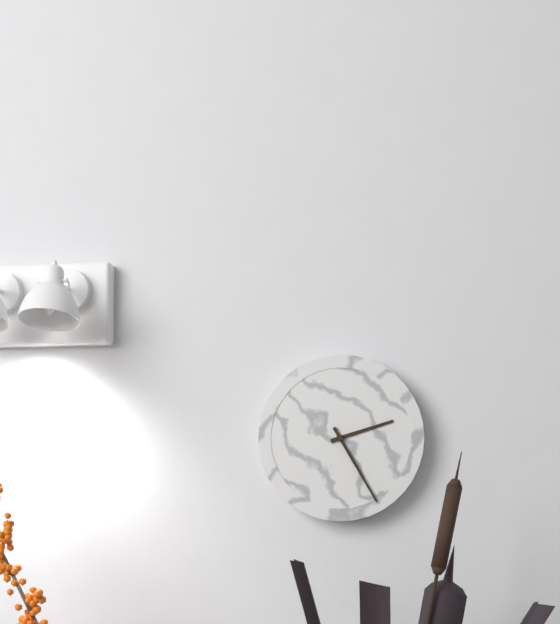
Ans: 2:25
